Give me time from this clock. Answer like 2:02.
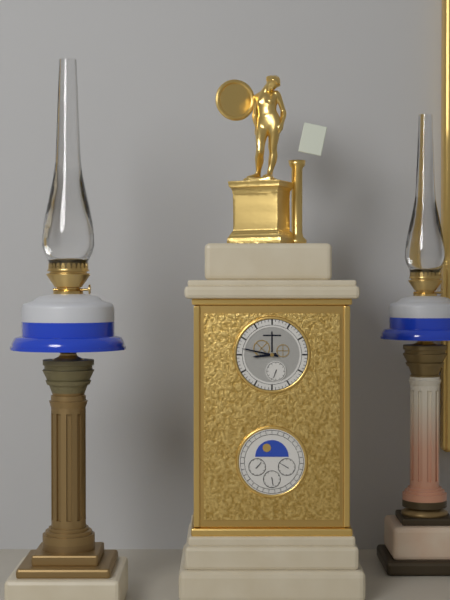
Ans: 8:47
